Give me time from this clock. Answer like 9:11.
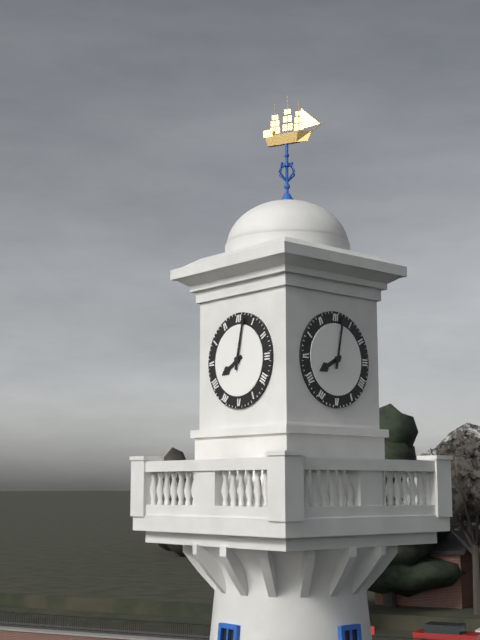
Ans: 8:02
